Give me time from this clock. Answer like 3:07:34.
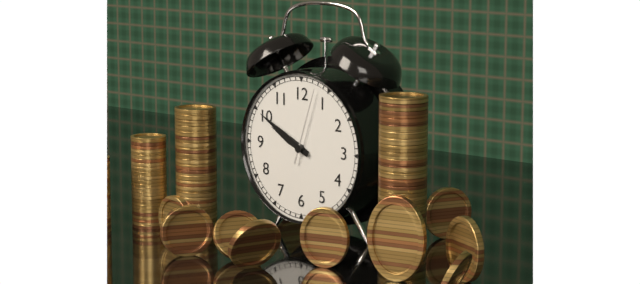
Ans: 9:50:03
